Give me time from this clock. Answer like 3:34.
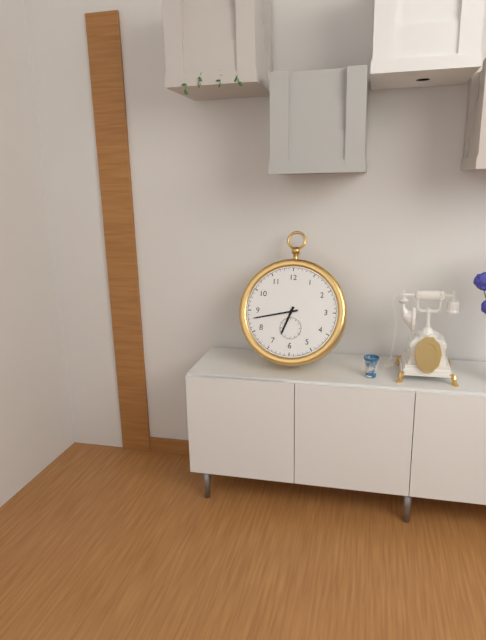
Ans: 6:43
